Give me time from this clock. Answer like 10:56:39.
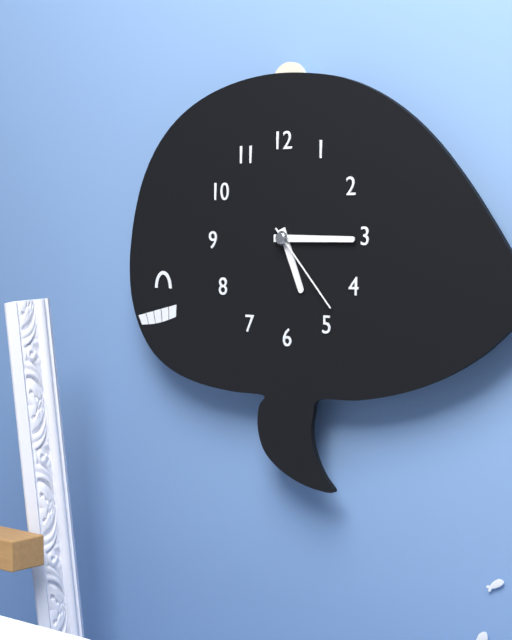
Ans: 5:15:23
